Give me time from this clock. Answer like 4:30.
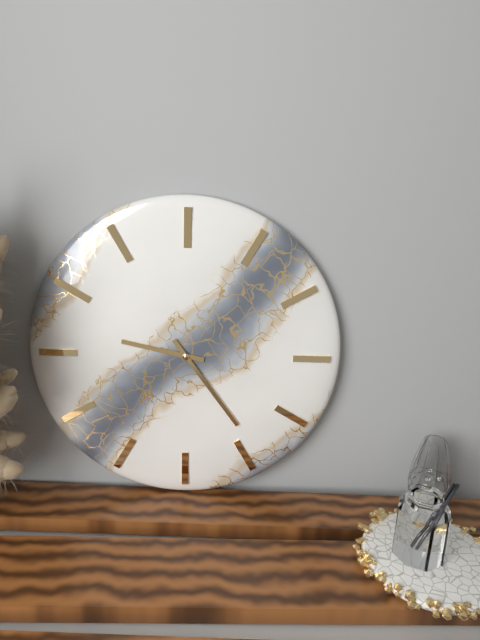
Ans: 9:24
